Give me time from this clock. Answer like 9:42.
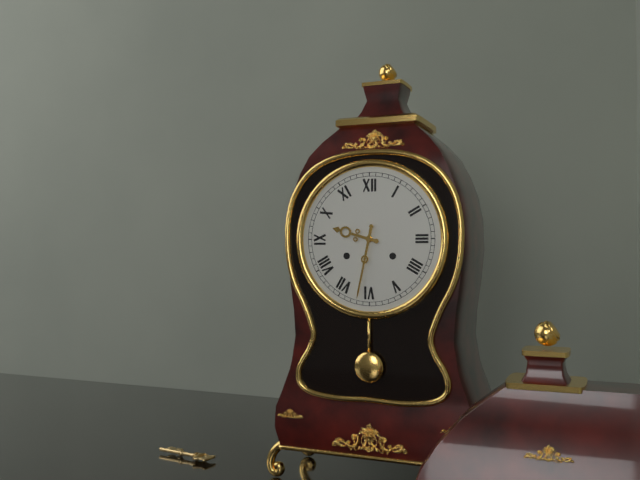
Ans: 9:32
